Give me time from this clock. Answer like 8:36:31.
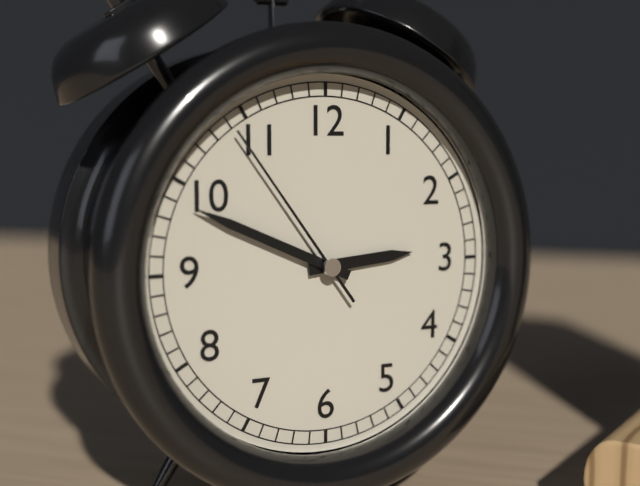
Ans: 2:49:54
